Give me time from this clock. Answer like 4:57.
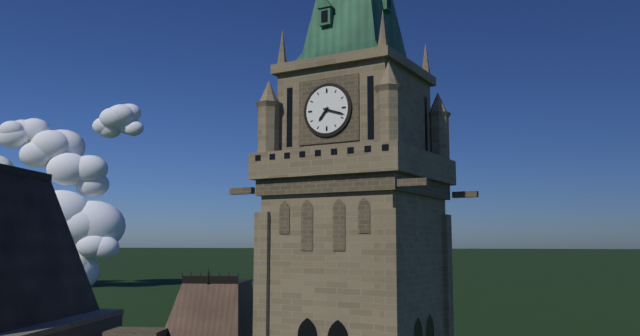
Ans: 7:18
